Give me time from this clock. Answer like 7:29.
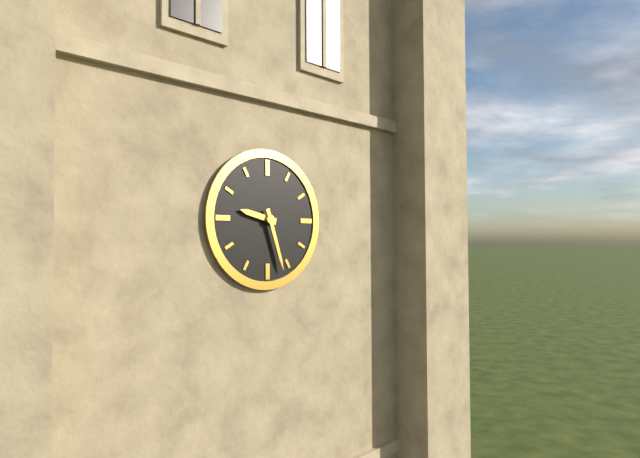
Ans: 9:27
